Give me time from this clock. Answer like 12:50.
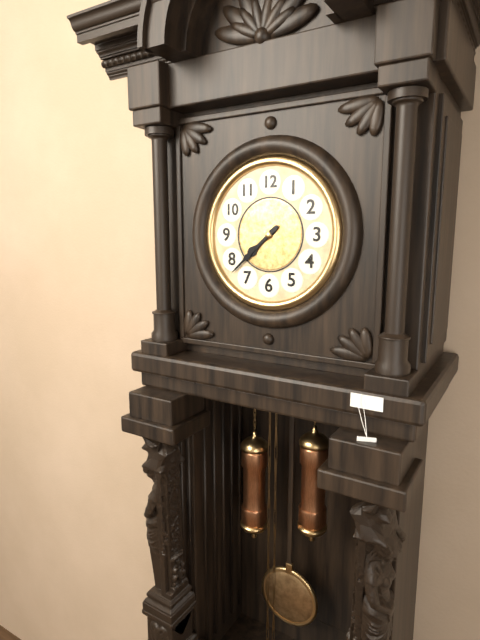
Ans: 7:38
